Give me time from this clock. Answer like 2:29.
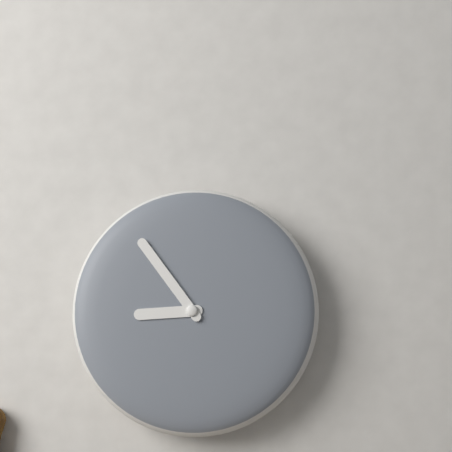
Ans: 8:54
